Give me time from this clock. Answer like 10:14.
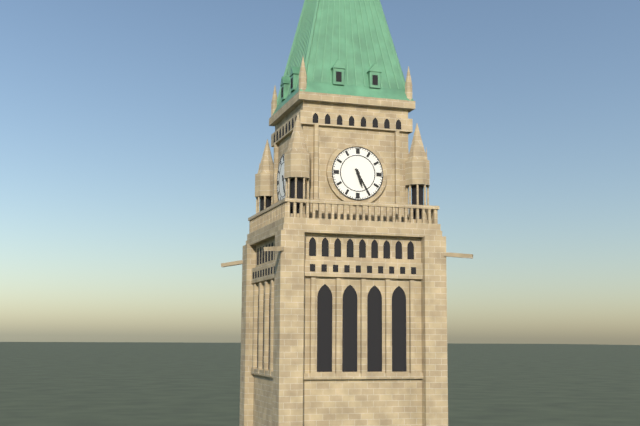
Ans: 5:25
